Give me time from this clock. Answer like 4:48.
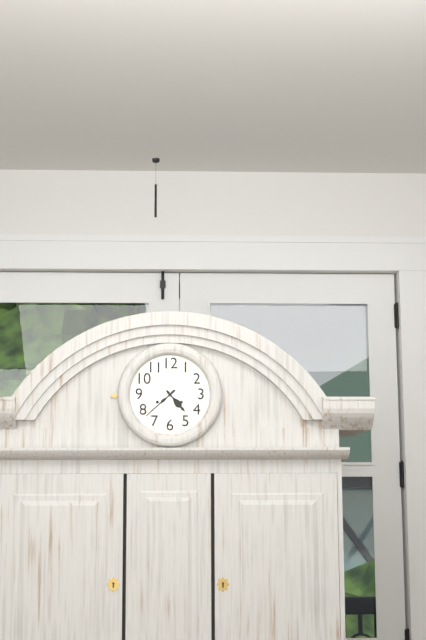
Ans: 4:38
